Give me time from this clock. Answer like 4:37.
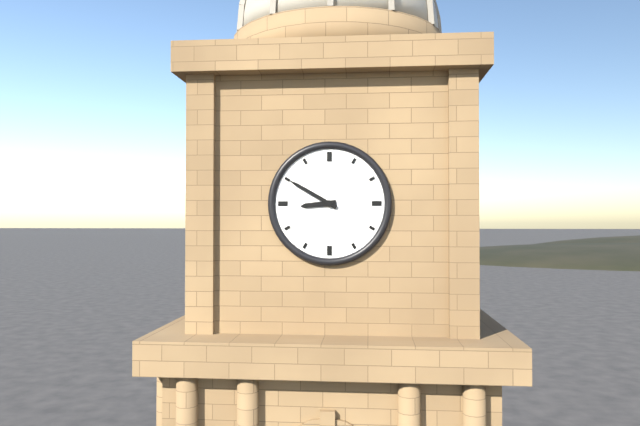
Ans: 8:50
